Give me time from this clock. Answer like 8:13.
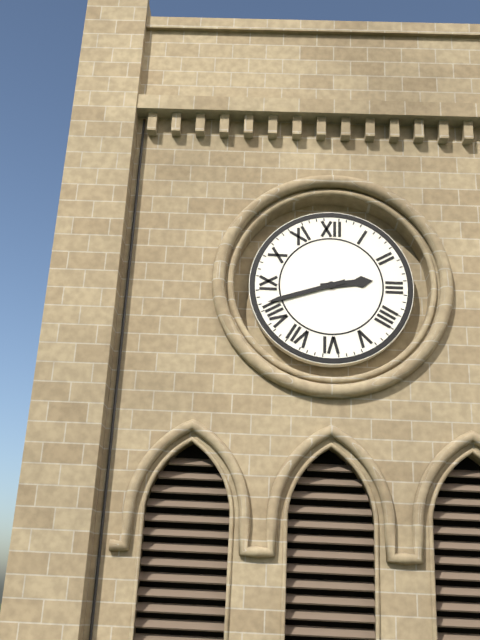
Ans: 2:42
